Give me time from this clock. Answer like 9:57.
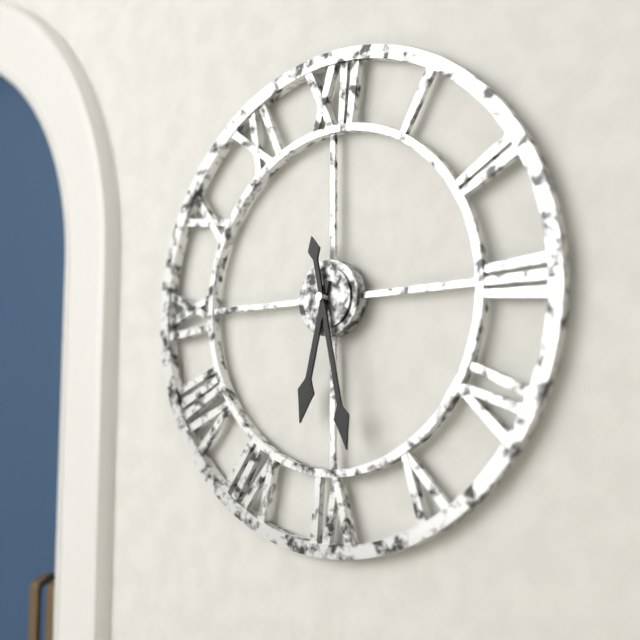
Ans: 6:28
